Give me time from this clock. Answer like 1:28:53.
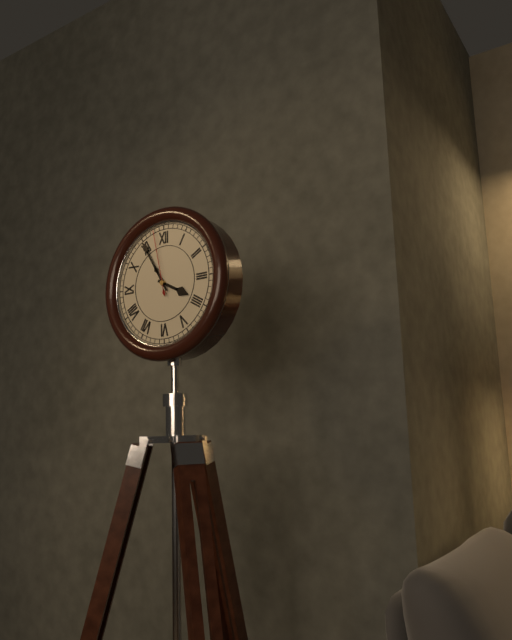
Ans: 3:55:58
